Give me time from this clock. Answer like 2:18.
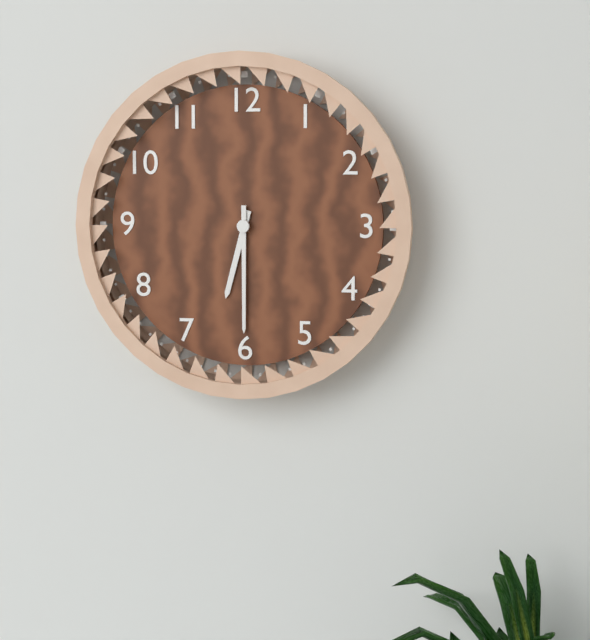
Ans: 6:30
